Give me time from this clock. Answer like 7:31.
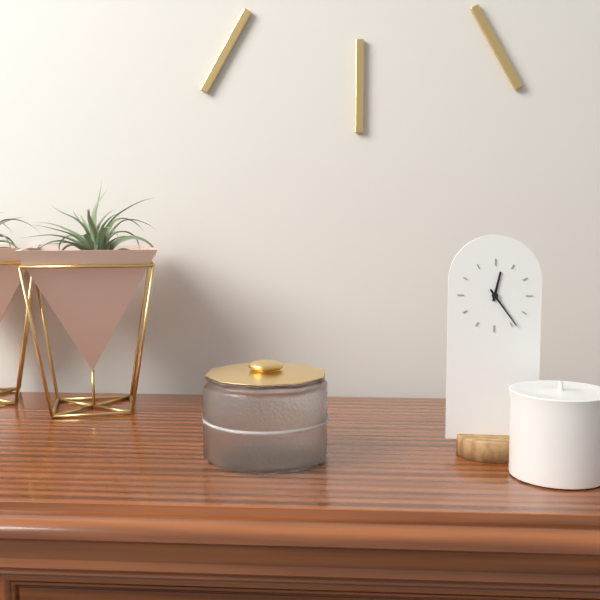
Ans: 12:24
